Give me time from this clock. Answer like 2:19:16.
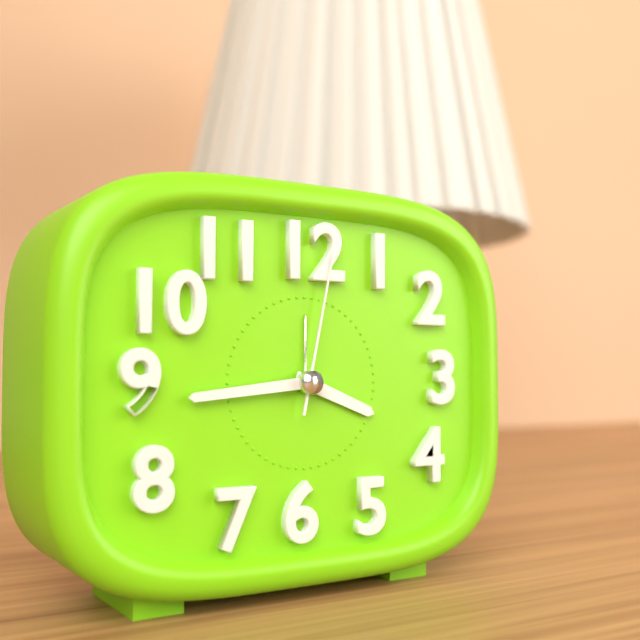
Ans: 3:44:02
